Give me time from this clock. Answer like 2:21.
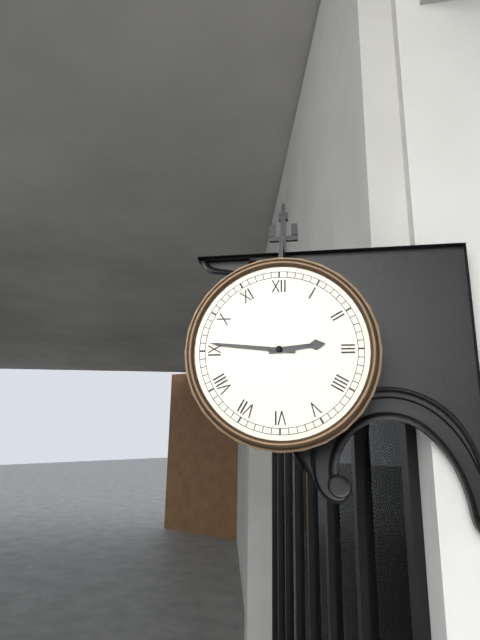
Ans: 2:46
